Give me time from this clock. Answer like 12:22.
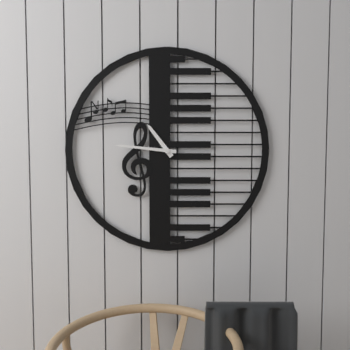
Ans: 10:46
